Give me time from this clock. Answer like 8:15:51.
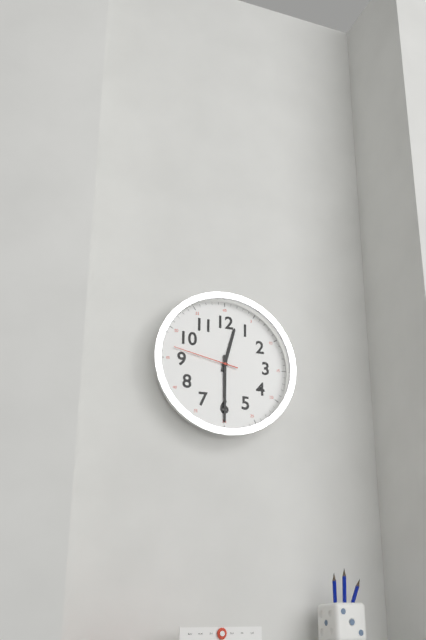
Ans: 12:30:47
